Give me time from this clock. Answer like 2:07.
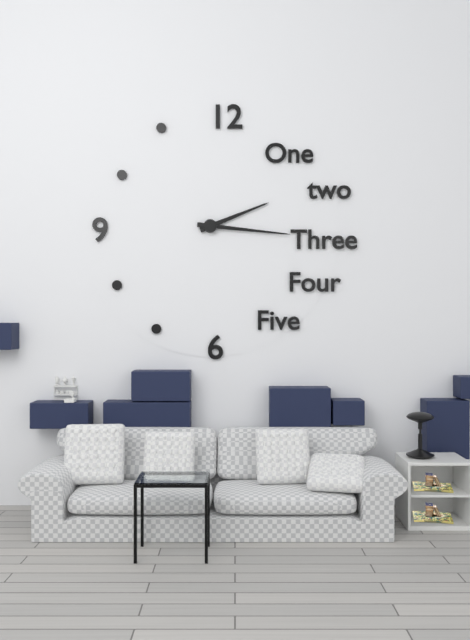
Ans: 2:16
